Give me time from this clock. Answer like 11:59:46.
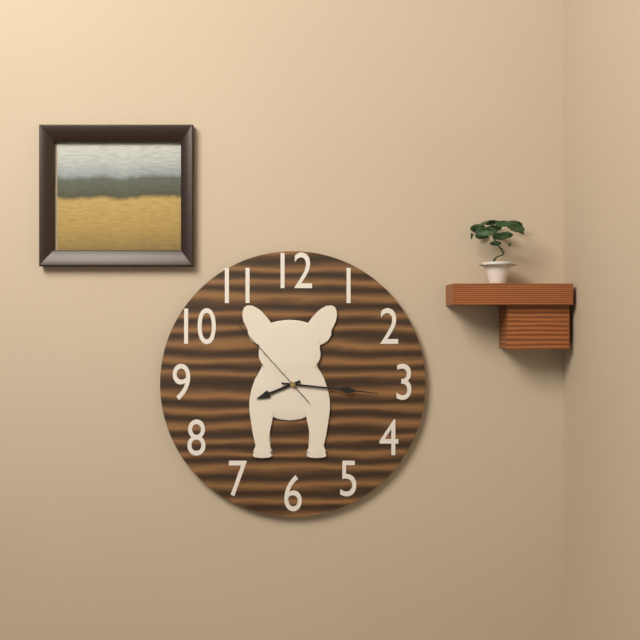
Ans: 8:16:53
